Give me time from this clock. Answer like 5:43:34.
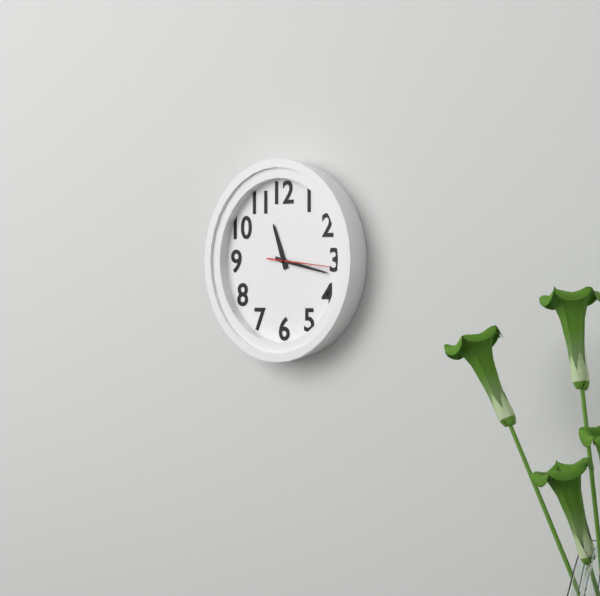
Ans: 11:17:16
